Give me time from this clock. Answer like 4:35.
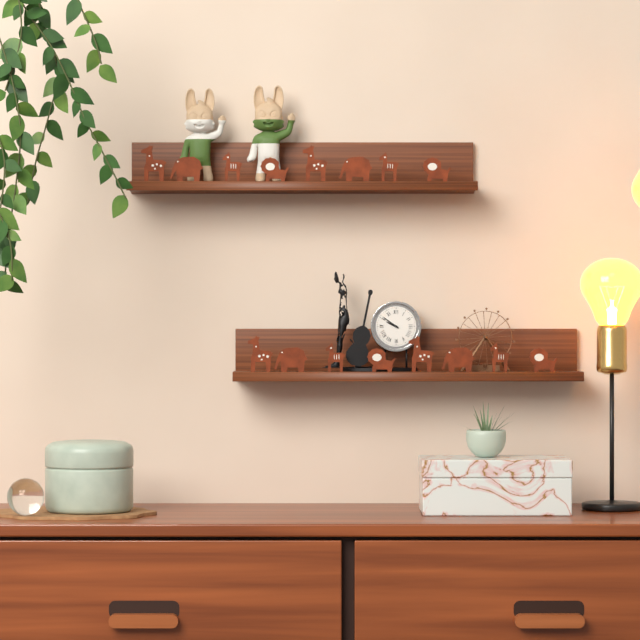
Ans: 9:51
